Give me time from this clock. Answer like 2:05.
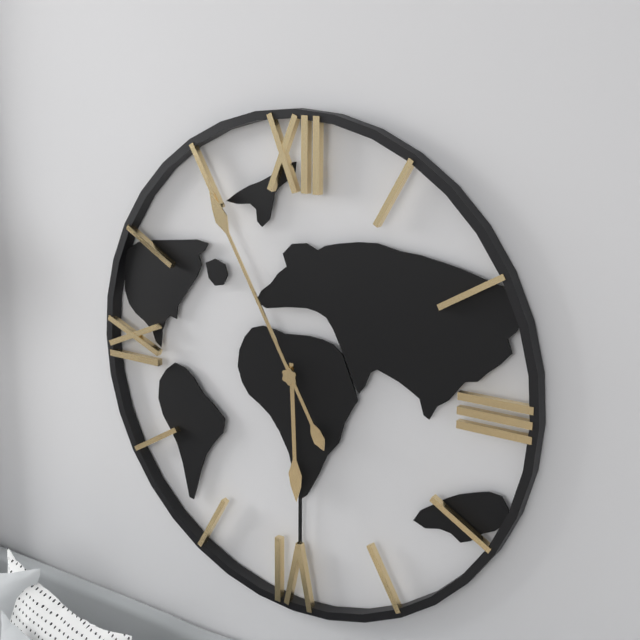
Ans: 5:55
